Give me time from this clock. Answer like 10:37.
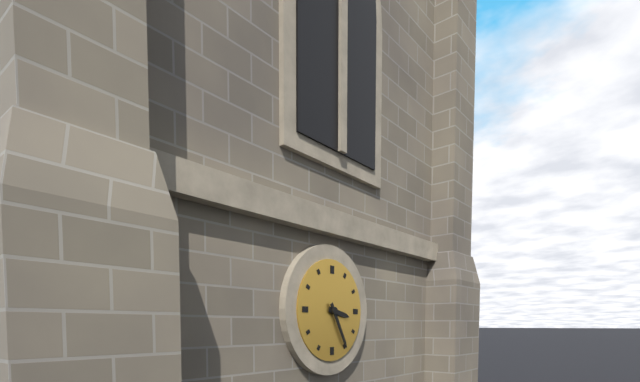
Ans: 3:25
